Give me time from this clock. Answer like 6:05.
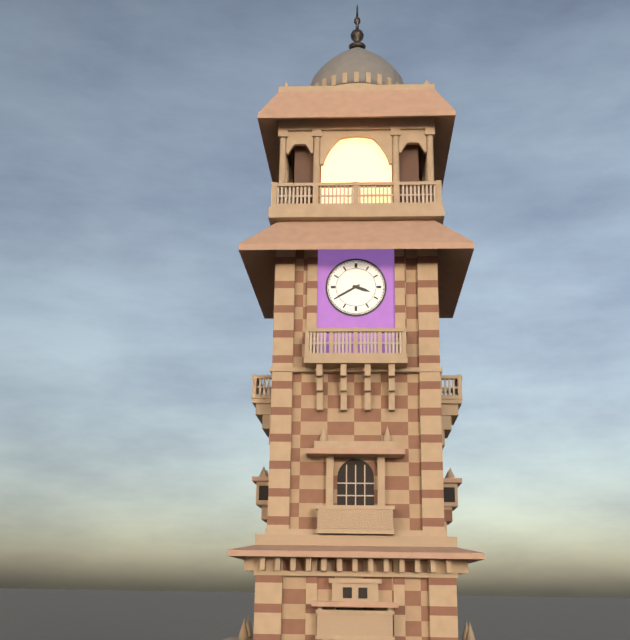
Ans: 3:40
